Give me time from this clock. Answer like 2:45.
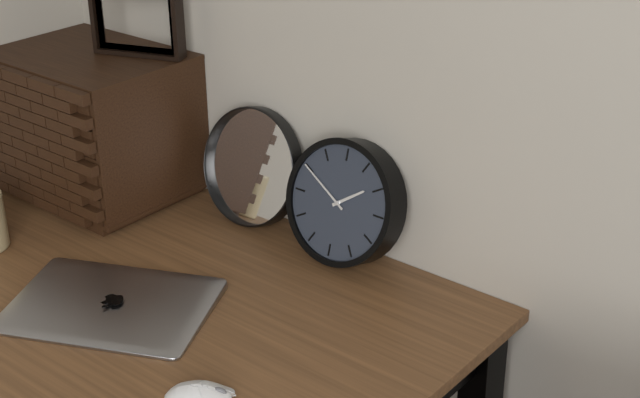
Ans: 1:50
